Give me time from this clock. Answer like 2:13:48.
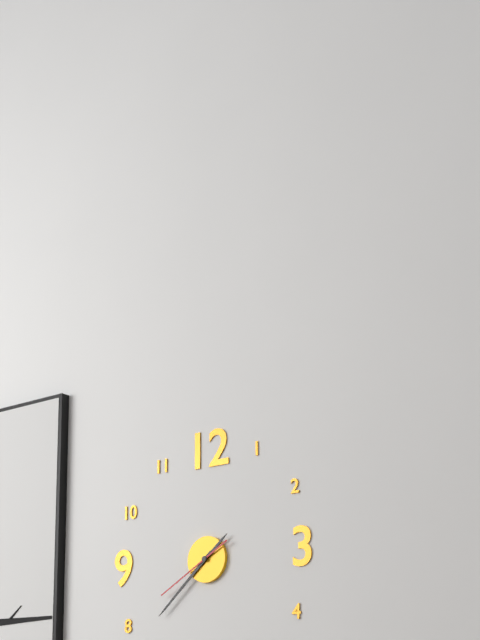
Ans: 1:38:40
